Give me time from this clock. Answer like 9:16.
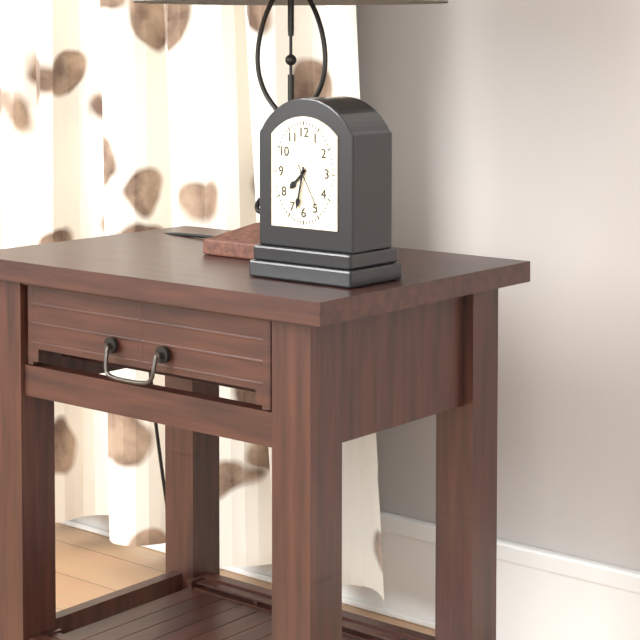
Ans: 7:32
